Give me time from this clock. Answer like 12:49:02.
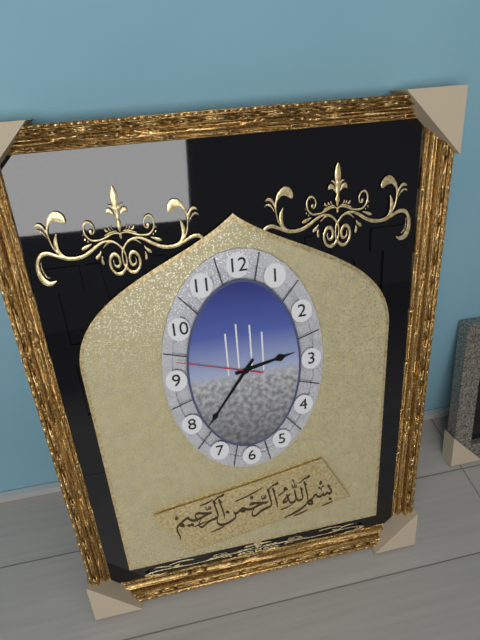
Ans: 2:36:48
